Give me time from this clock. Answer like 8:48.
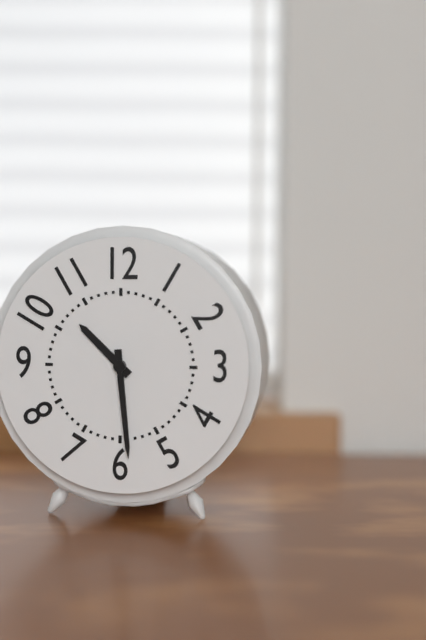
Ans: 10:29
